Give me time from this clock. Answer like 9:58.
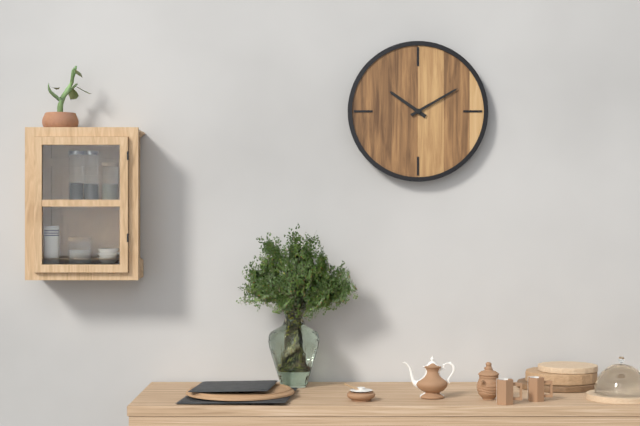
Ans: 10:10
